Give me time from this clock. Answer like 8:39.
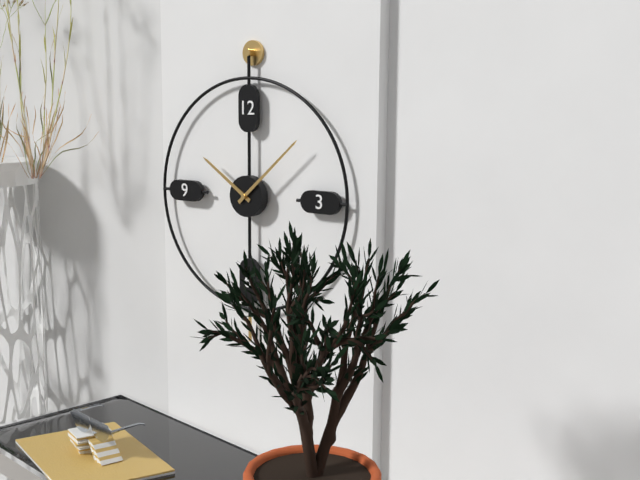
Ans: 10:08
